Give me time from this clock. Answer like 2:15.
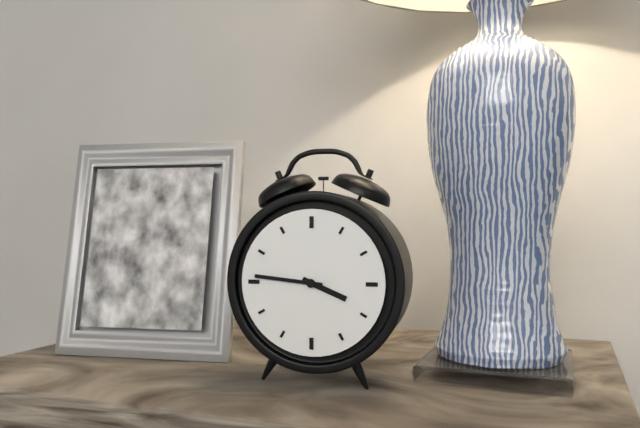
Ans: 3:46
